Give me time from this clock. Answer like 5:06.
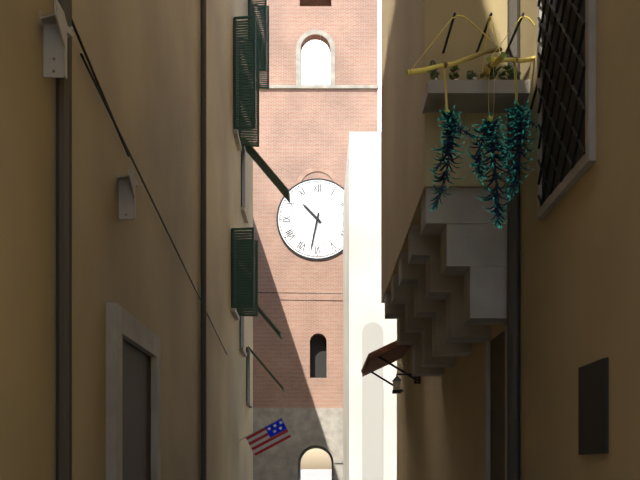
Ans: 10:32
